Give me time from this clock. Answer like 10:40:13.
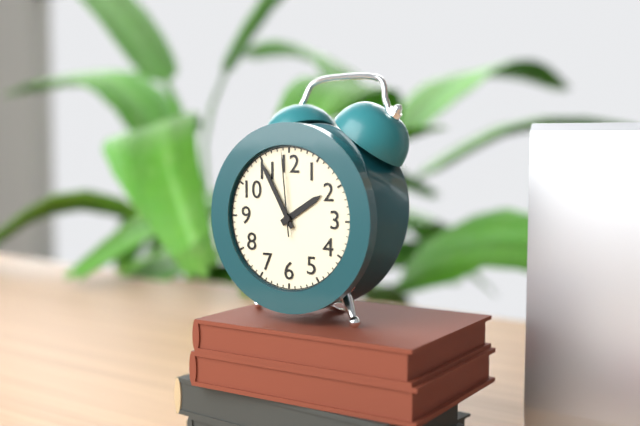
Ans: 1:55:59
